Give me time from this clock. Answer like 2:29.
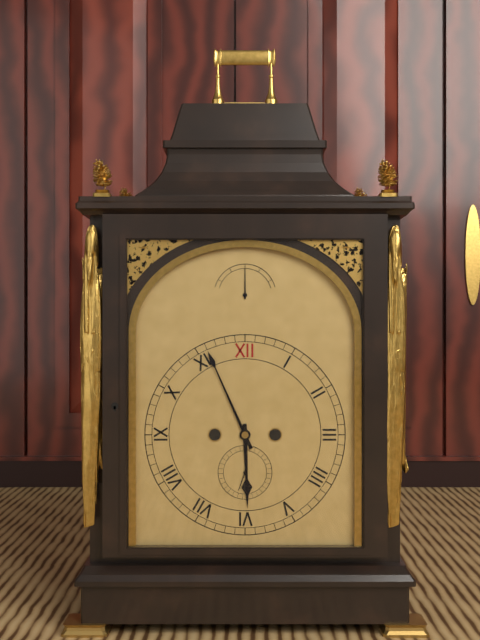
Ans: 5:56
